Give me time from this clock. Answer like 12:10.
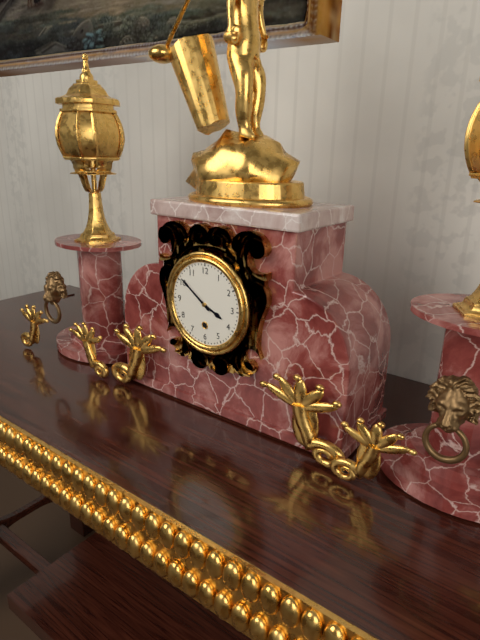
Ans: 3:51
